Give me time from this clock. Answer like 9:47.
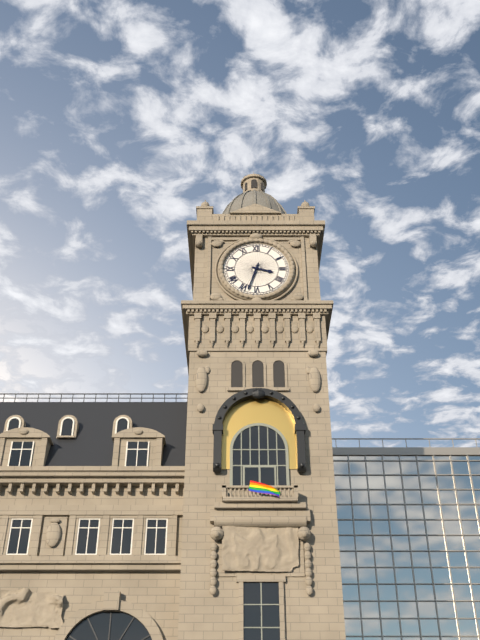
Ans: 3:33
